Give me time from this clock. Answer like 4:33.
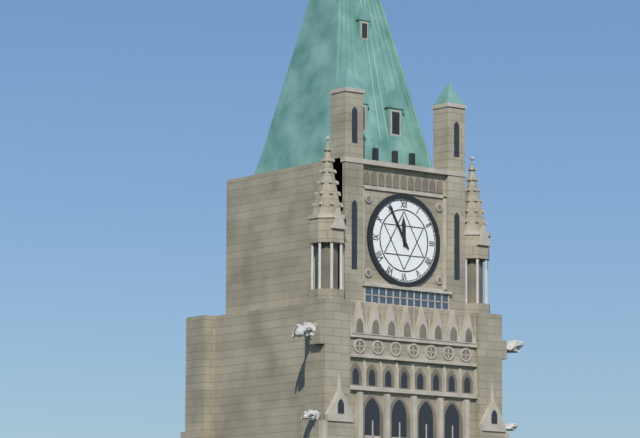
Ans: 11:55
